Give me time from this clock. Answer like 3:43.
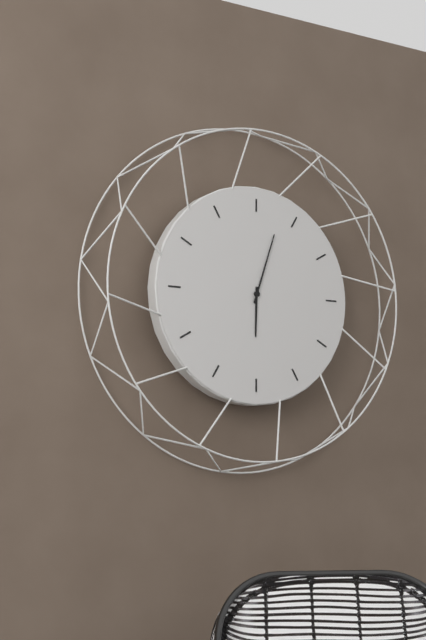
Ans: 6:03
